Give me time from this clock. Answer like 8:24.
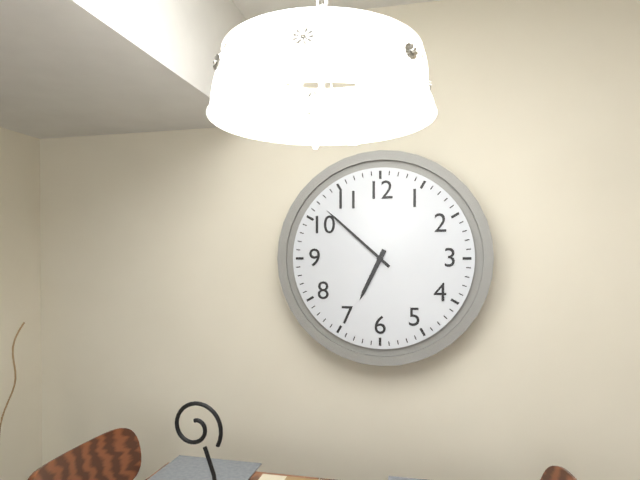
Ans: 6:52
